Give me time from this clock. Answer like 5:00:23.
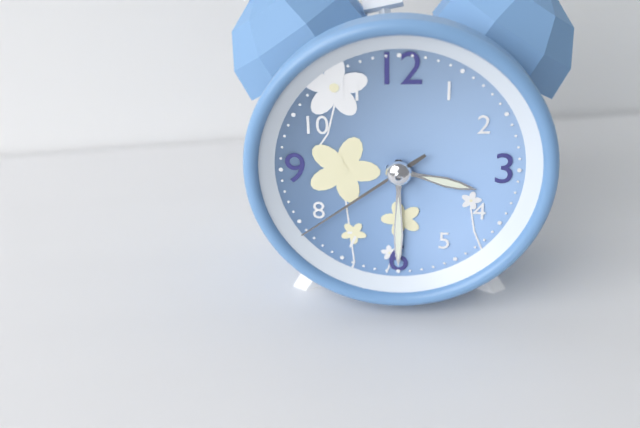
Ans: 3:30:39
